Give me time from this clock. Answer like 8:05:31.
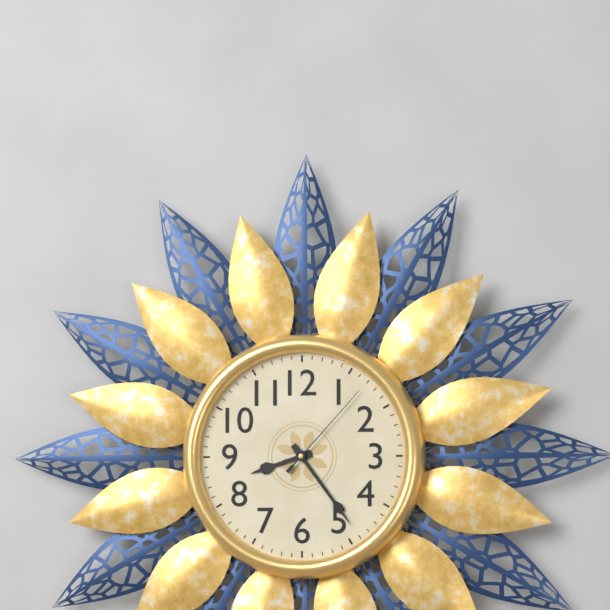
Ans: 8:24:07
